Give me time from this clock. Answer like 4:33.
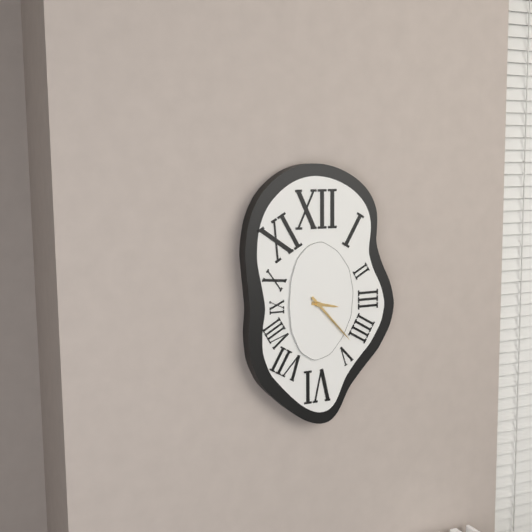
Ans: 3:23
